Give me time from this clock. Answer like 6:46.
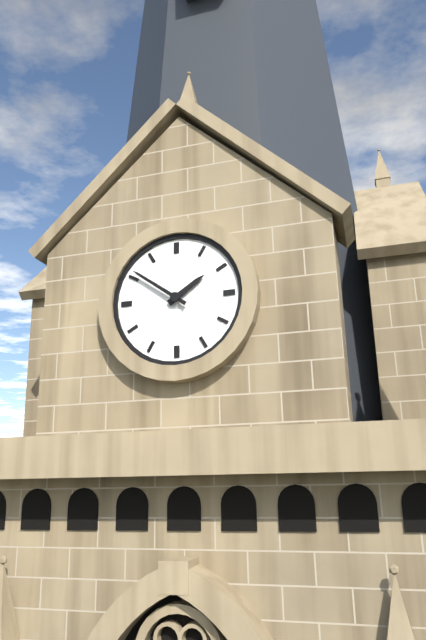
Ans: 1:51
